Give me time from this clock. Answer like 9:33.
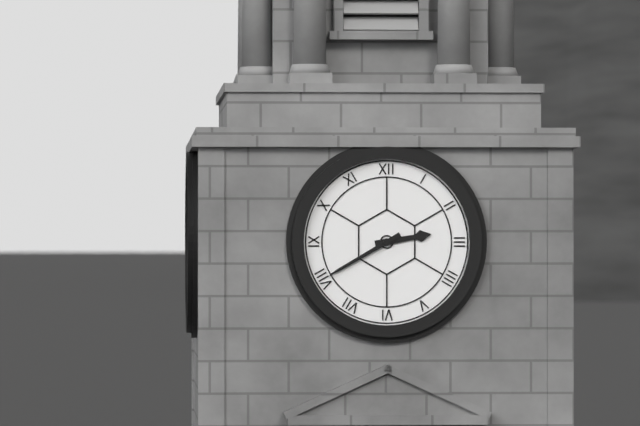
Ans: 2:40
